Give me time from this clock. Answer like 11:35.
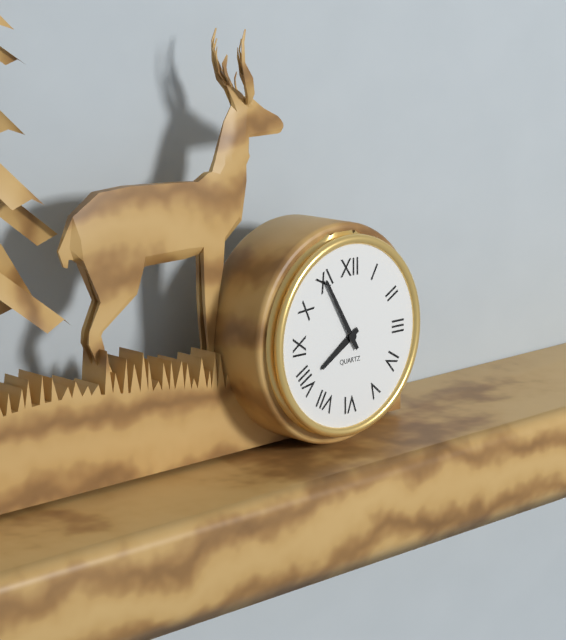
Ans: 7:55
